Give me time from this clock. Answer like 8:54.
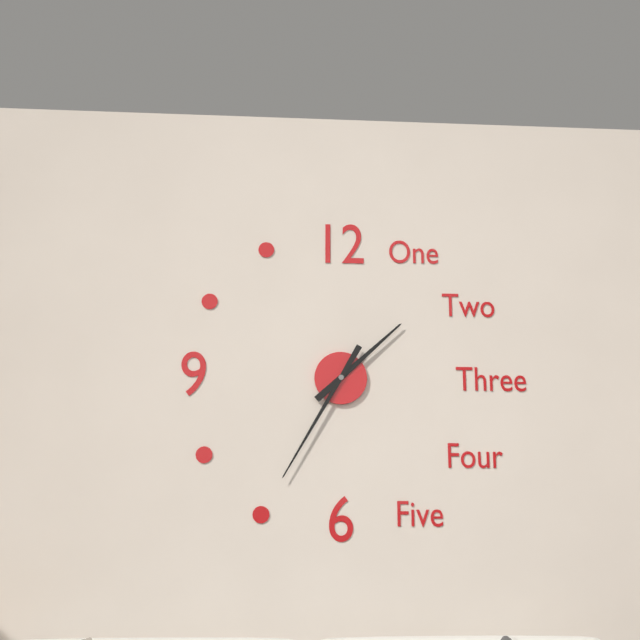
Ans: 1:35
